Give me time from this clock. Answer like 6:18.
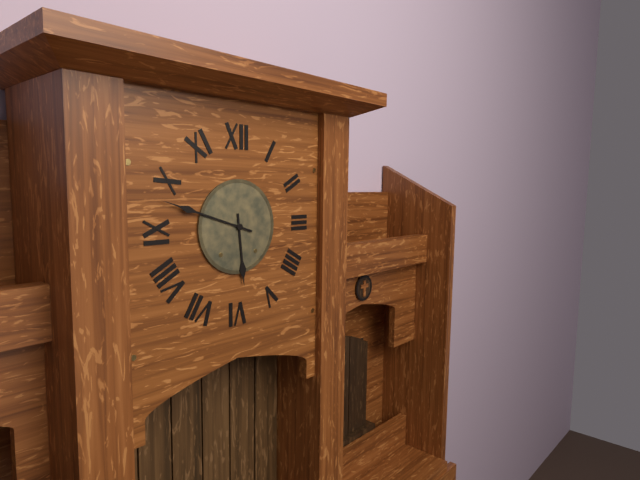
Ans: 5:48
